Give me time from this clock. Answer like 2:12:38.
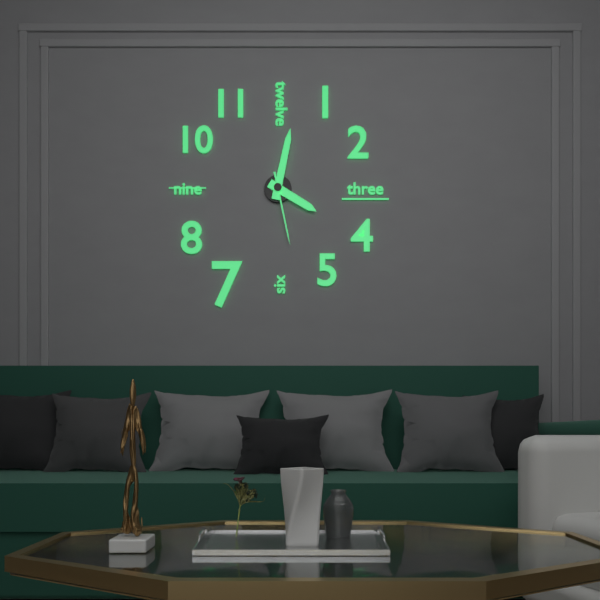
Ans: 4:02:28
